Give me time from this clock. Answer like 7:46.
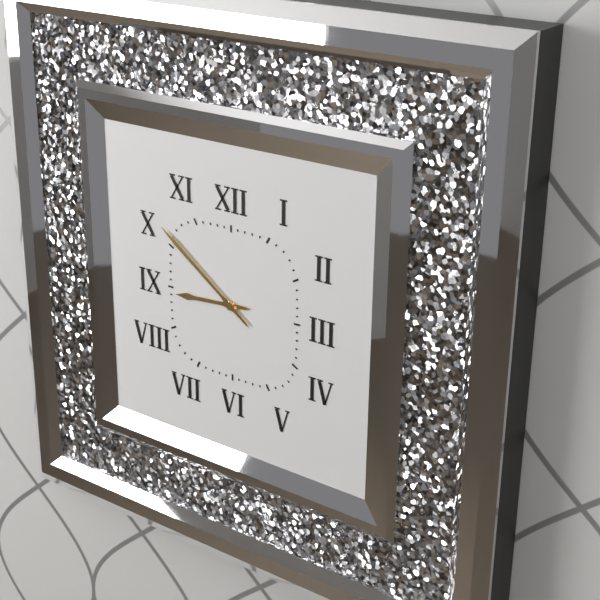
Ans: 8:51
